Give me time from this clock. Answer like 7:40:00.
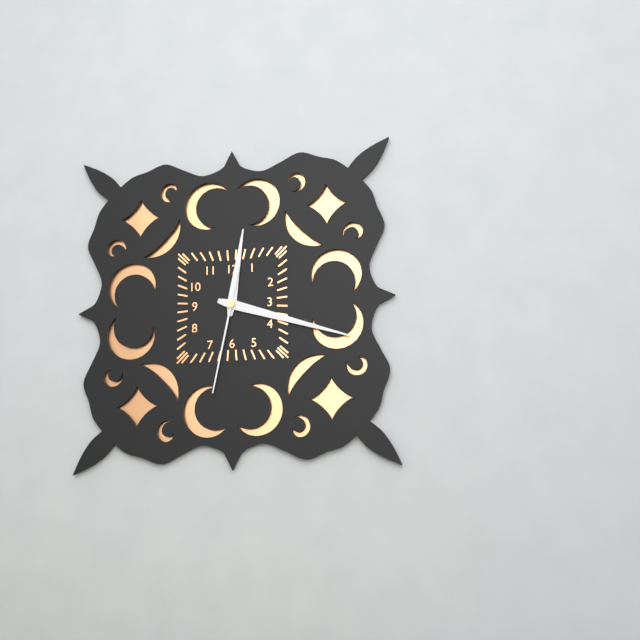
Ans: 12:18:32
